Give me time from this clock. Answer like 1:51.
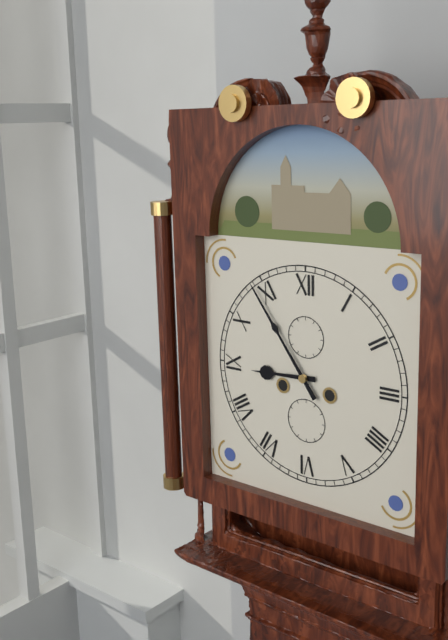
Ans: 8:54
